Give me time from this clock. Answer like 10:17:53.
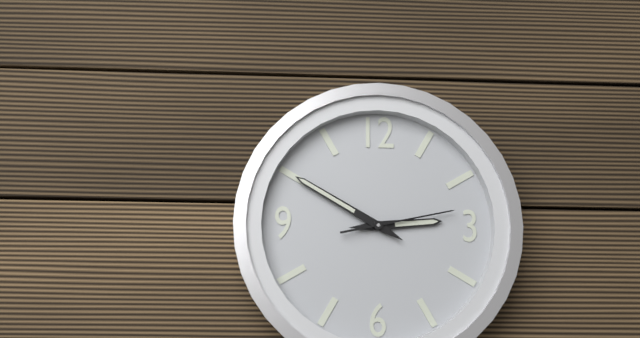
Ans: 2:50:13
